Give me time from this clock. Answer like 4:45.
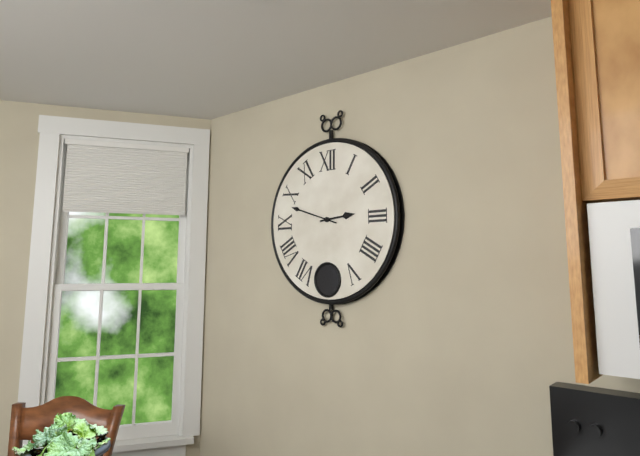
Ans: 2:48
